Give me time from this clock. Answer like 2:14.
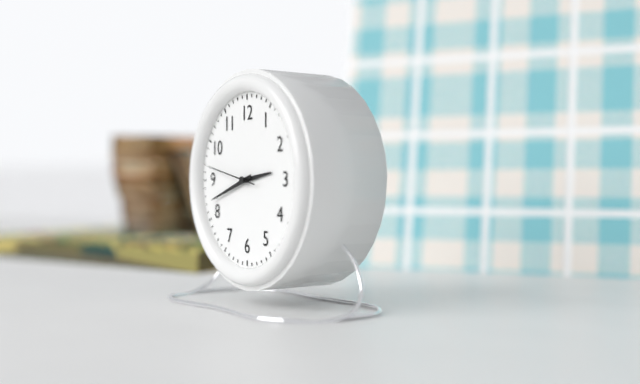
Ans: 2:42
